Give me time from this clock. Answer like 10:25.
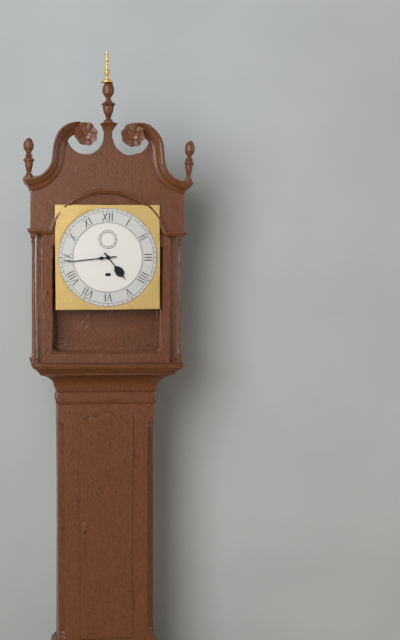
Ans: 4:44
